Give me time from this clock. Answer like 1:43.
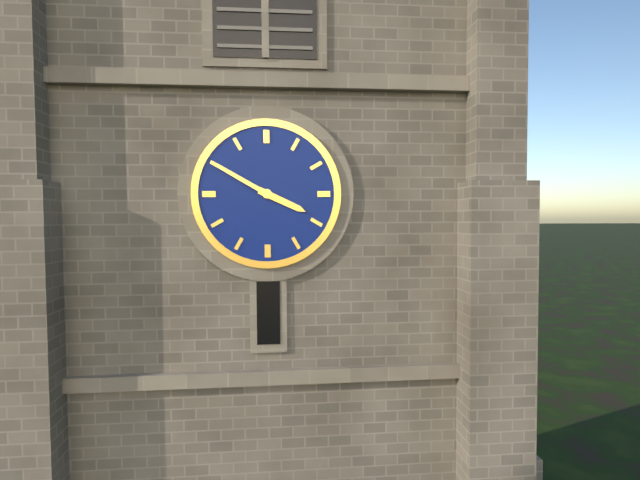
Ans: 3:50
